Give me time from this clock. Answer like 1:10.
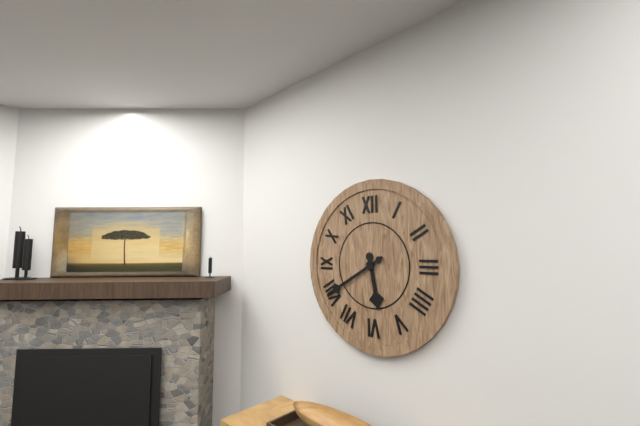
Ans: 5:40
